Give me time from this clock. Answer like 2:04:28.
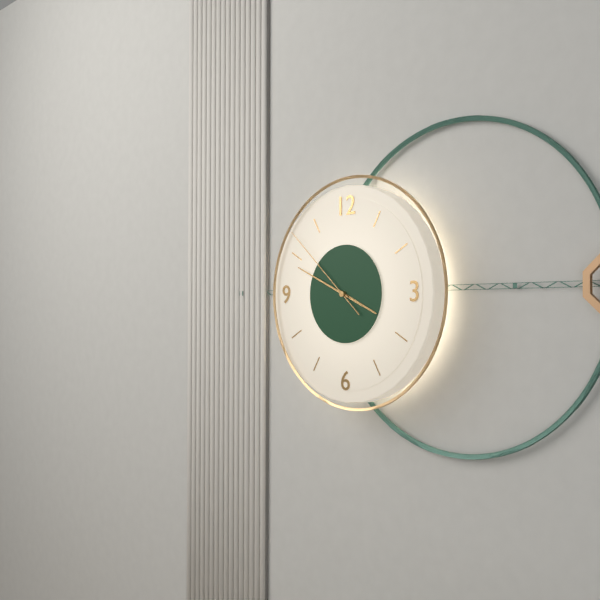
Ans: 3:49:52
